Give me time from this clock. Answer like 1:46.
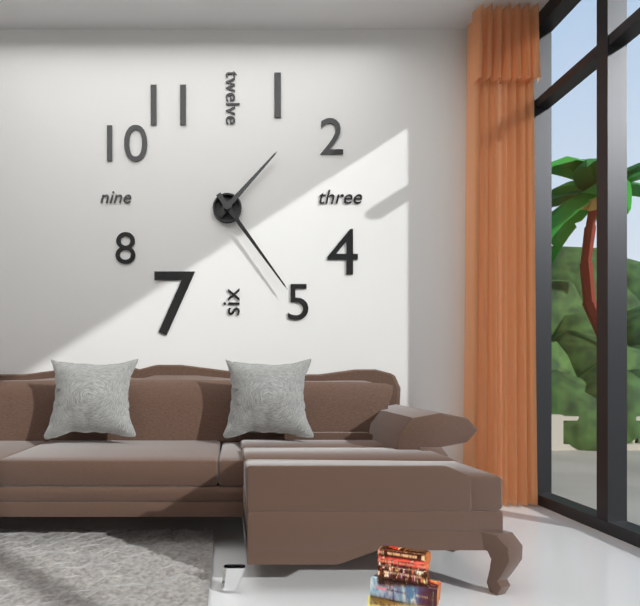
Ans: 1:24
